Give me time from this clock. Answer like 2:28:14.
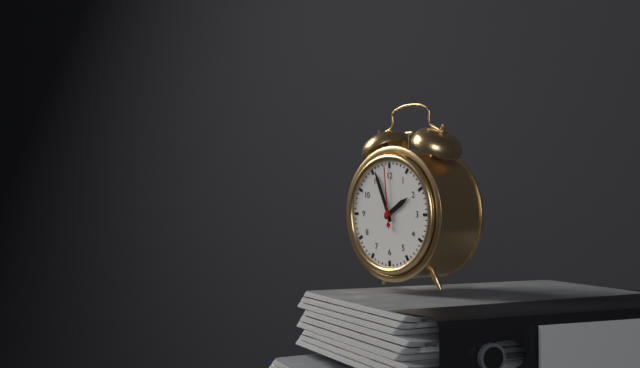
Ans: 1:56:59
